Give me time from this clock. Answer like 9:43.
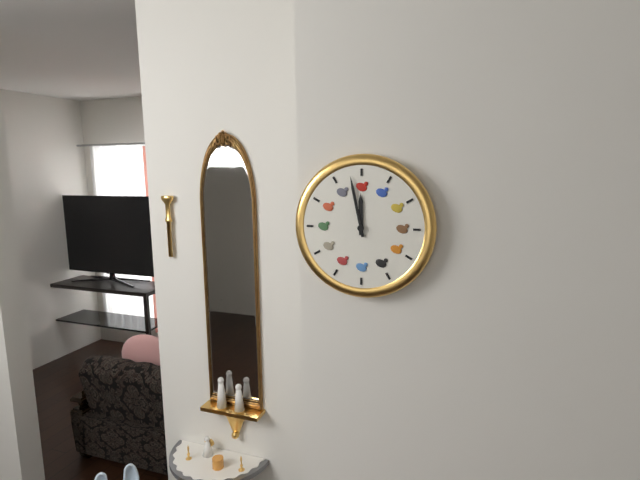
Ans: 11:58
